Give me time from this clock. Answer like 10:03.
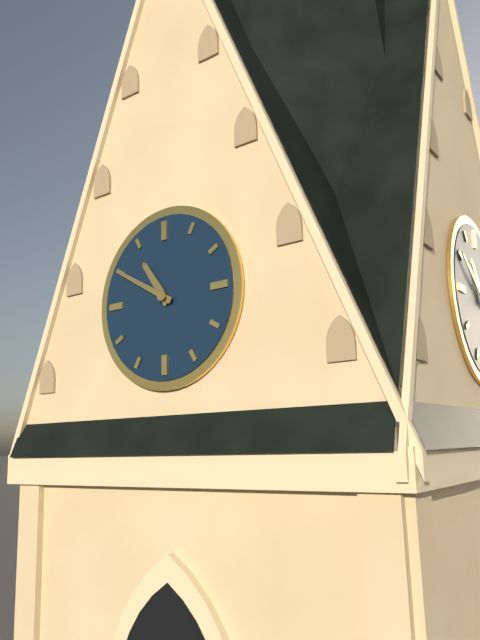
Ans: 10:50
